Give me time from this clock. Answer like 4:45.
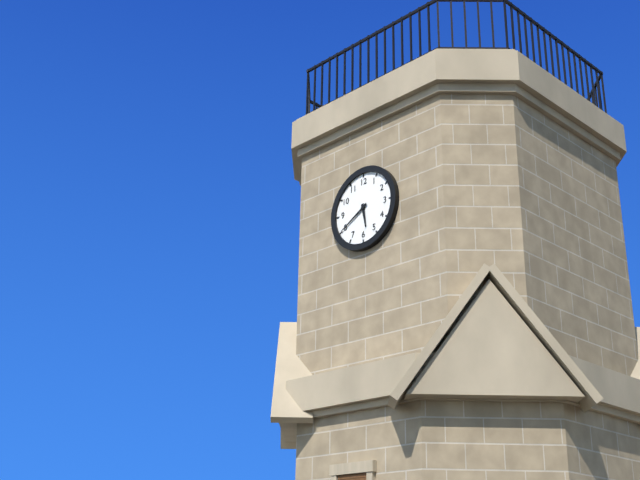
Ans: 5:40
